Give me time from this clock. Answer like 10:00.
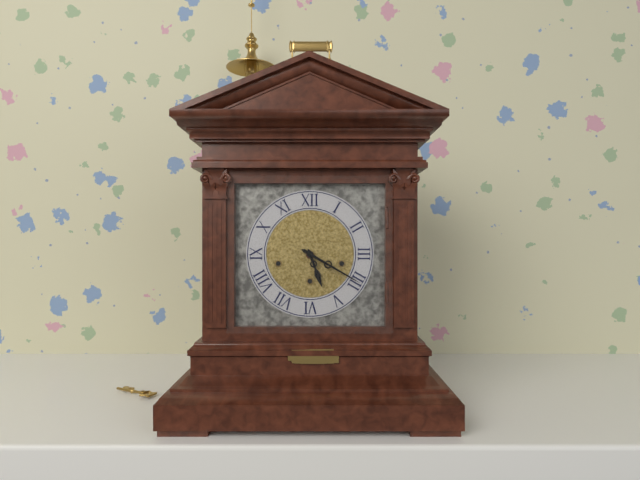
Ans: 5:20
